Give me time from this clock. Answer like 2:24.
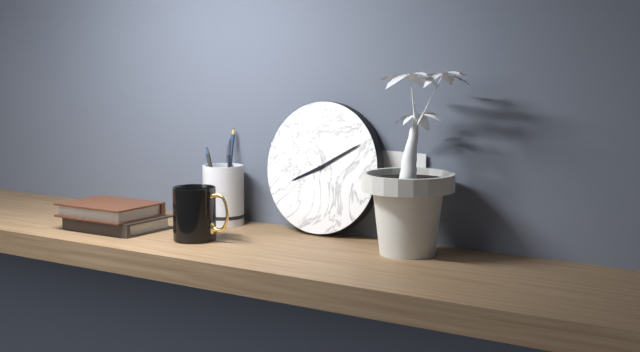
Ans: 8:10
